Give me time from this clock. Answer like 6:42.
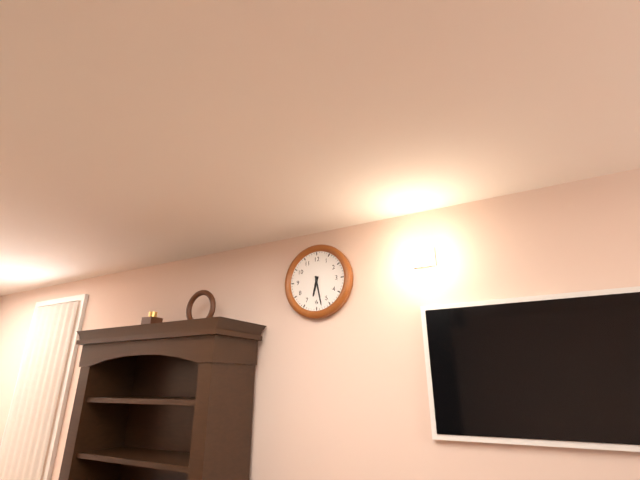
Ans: 6:28
